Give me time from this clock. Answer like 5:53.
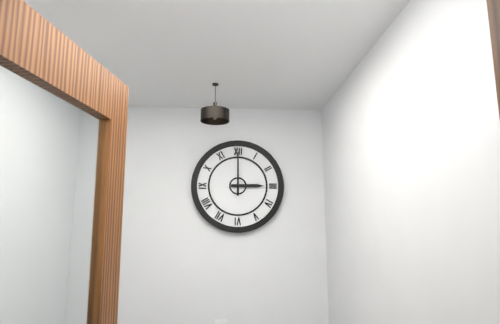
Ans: 3:00
